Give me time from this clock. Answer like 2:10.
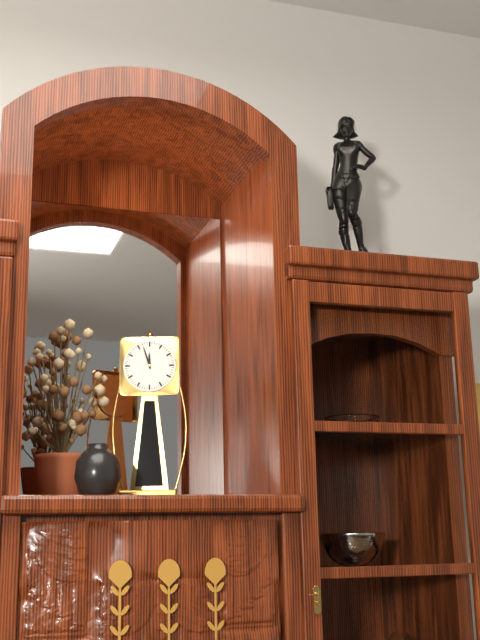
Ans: 11:57
